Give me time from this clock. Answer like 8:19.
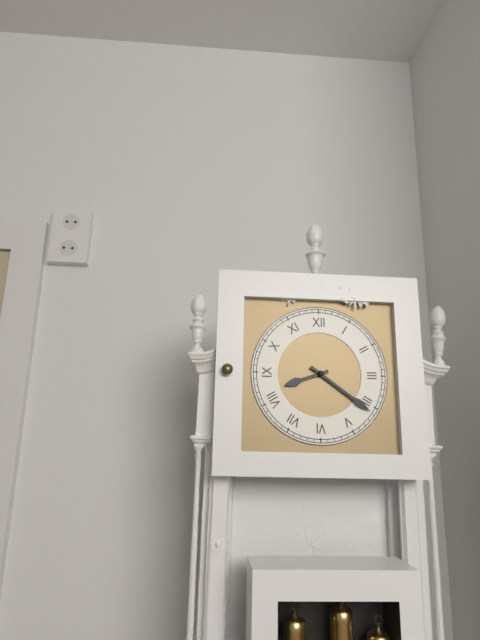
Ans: 8:21
